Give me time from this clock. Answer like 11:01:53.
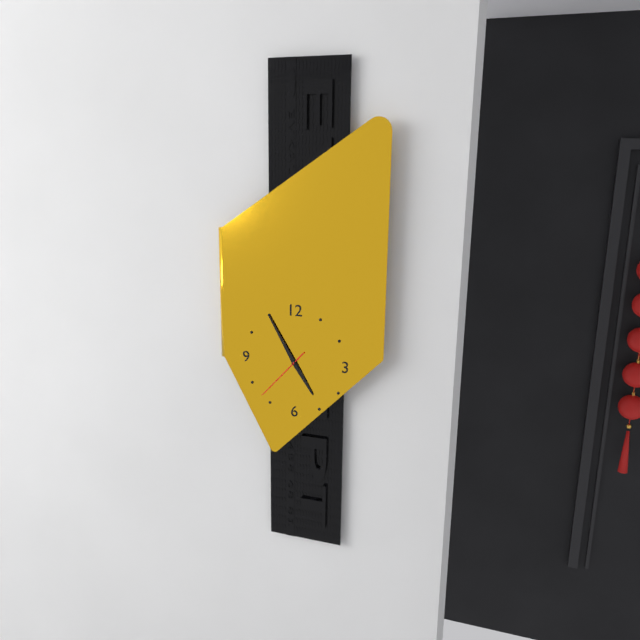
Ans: 4:55:37
